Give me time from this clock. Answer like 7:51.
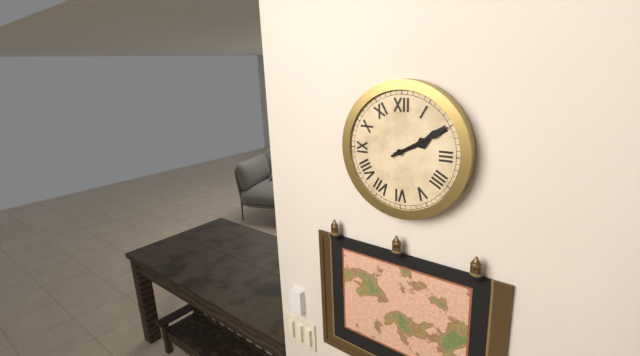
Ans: 2:10
